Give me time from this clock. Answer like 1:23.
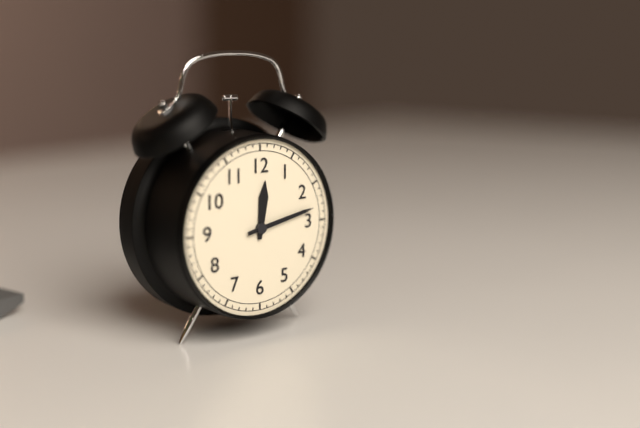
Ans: 12:13
